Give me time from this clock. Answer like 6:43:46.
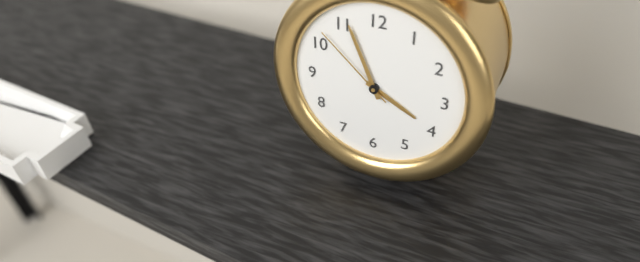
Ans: 3:56:52
